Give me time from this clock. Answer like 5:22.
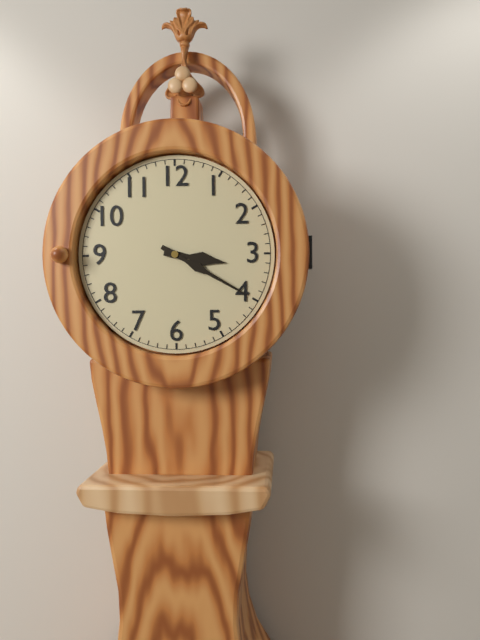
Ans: 3:20
